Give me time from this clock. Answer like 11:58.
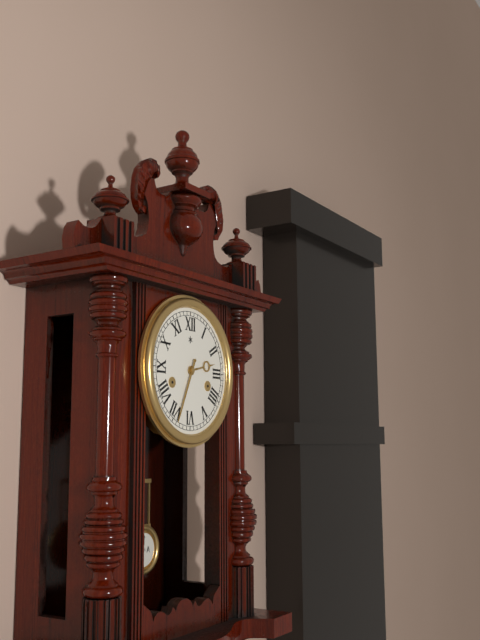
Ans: 2:34
